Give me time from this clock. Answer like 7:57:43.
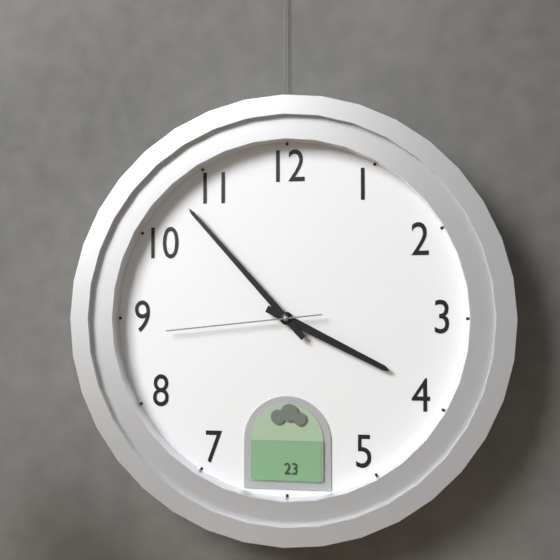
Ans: 3:53:44
